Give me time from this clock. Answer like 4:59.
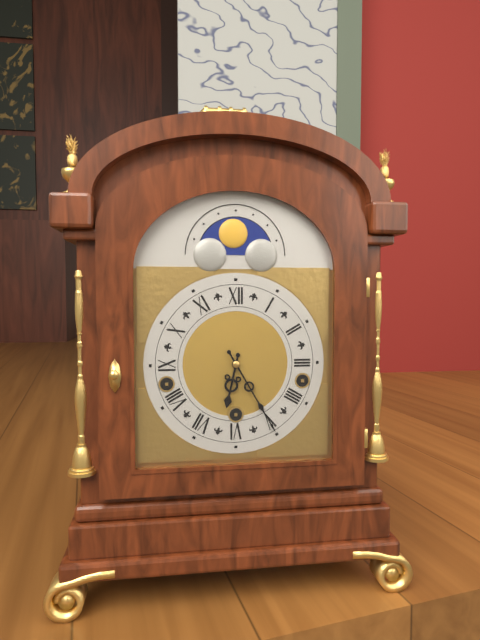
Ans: 6:25
